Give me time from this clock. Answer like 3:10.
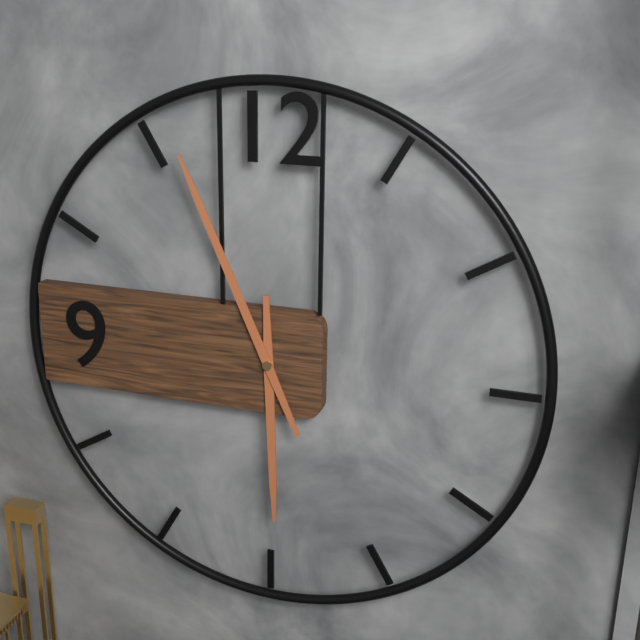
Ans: 5:56
